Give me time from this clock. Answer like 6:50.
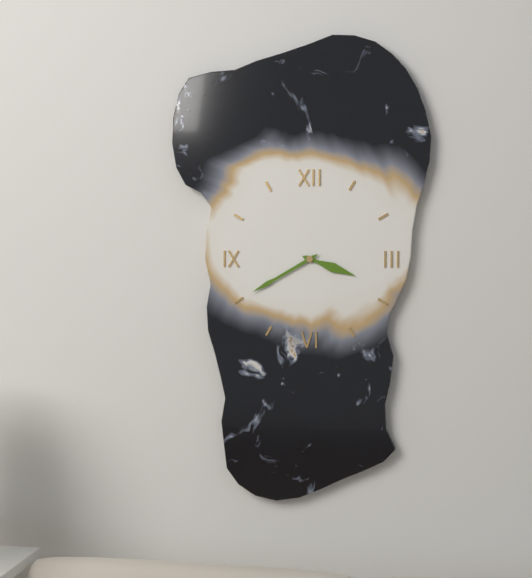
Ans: 3:40
